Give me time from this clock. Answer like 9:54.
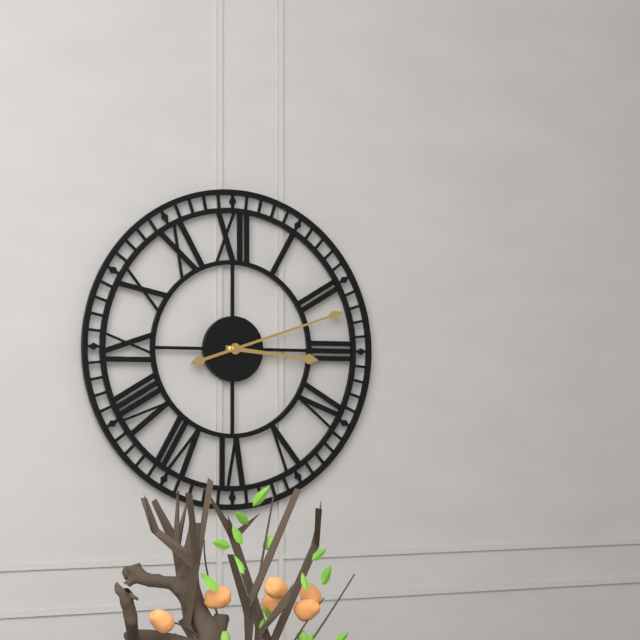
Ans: 3:12
